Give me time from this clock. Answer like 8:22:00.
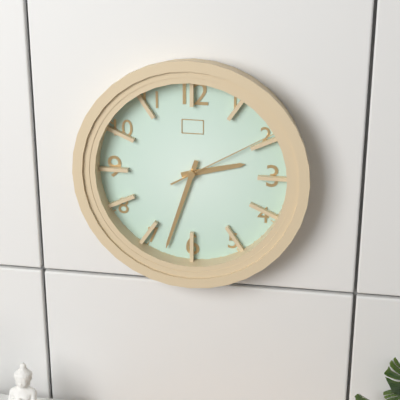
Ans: 2:33:10
